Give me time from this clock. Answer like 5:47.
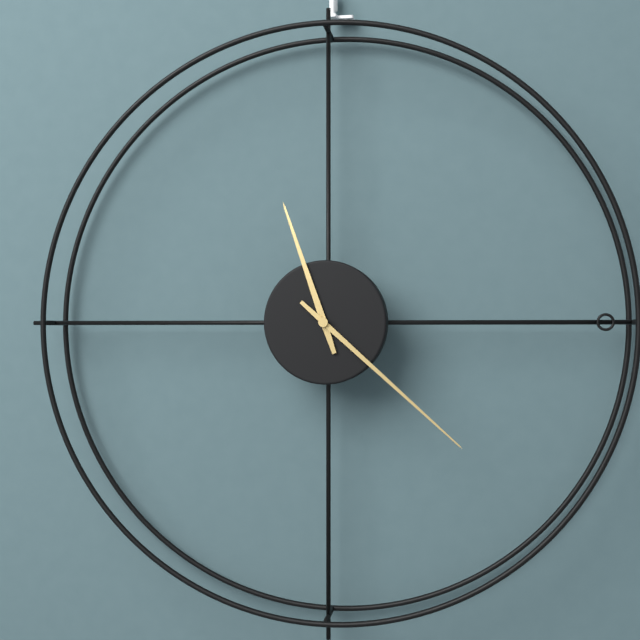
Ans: 11:22
